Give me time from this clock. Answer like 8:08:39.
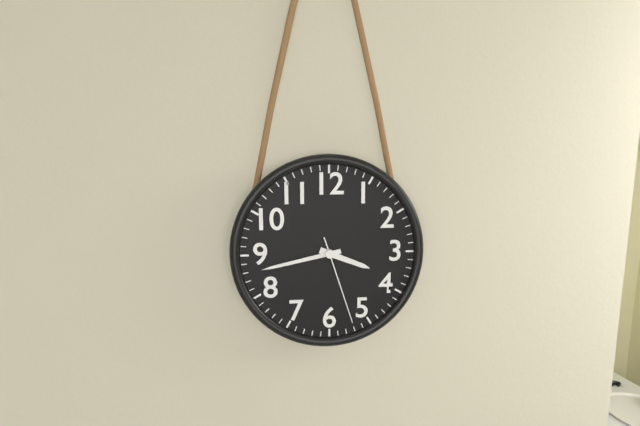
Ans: 3:43:27
